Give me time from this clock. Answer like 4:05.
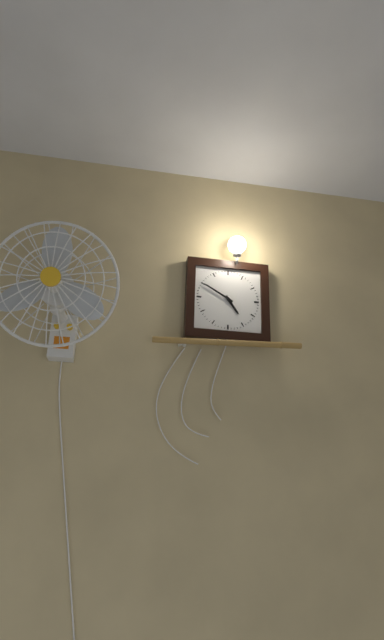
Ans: 4:50
